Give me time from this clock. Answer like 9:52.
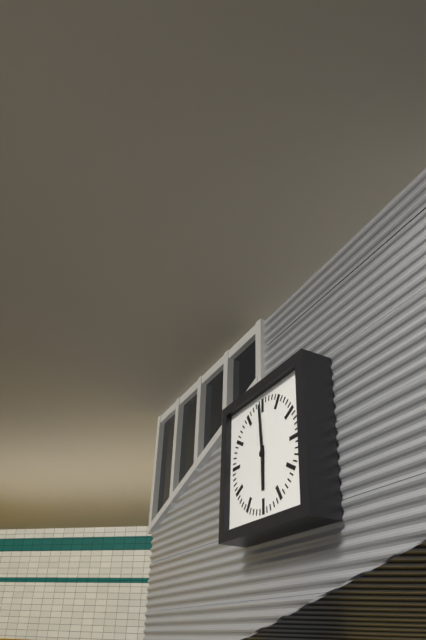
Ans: 5:59
